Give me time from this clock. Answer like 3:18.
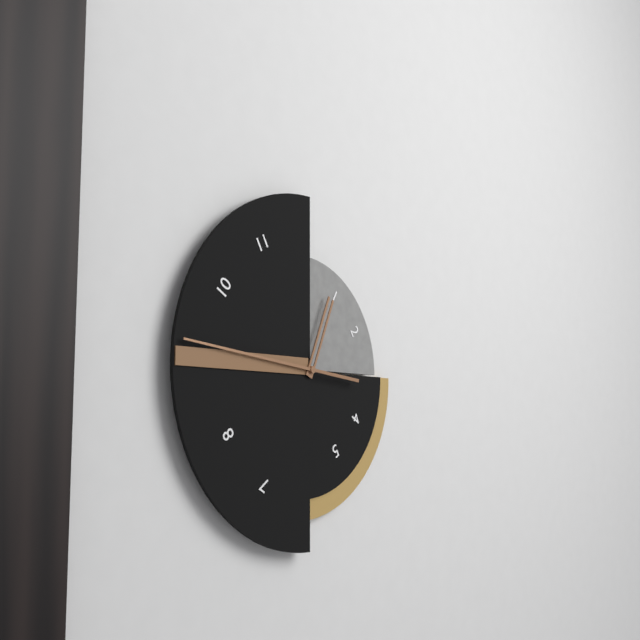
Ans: 12:46
